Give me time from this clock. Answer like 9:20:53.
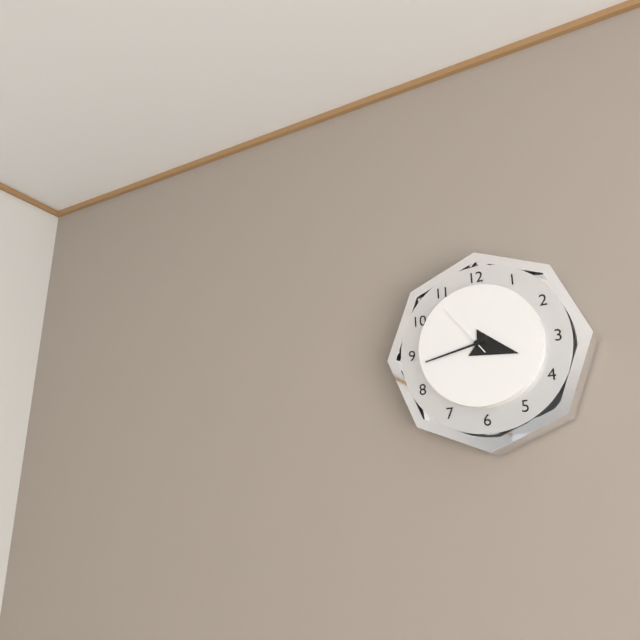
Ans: 3:43:54
